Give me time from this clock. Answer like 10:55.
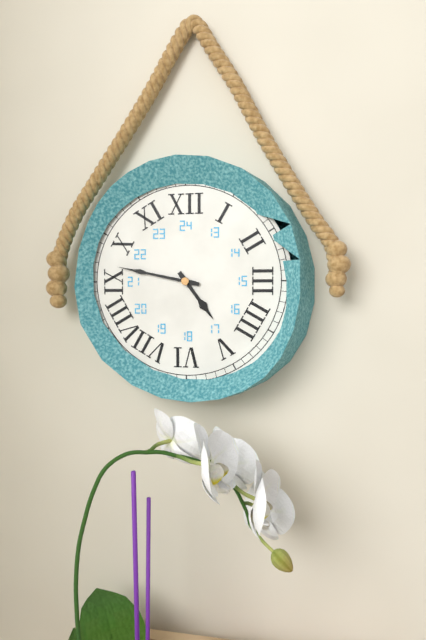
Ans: 4:47
